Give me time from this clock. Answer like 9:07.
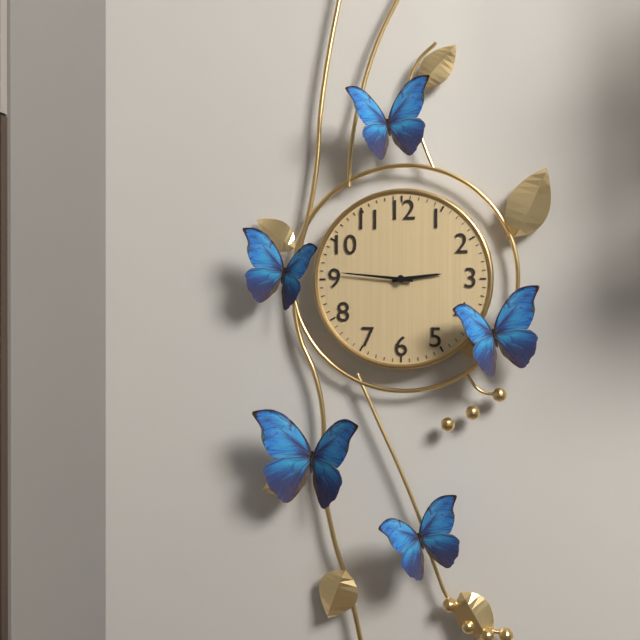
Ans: 2:46
